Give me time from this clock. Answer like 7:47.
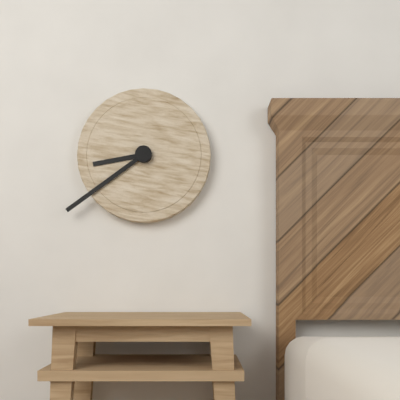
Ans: 8:39
